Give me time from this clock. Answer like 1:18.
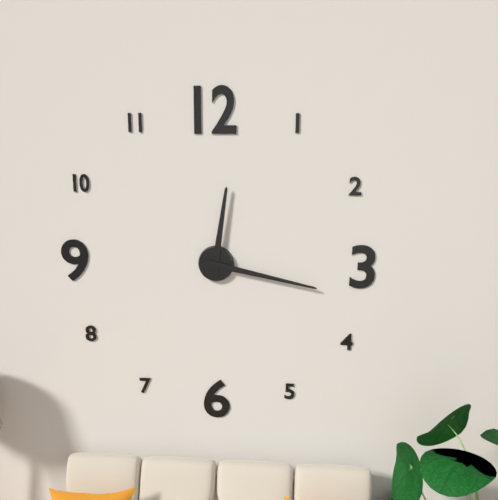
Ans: 12:17
